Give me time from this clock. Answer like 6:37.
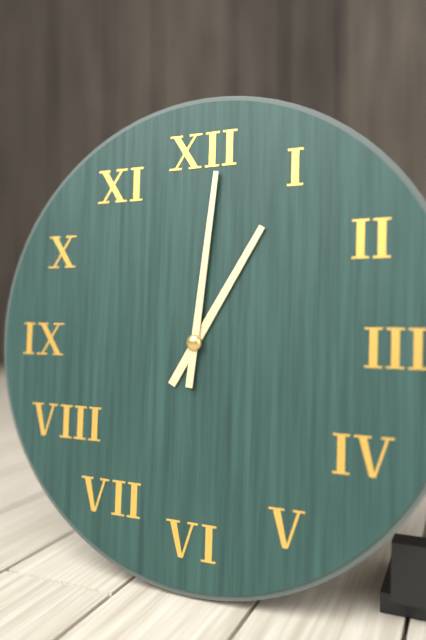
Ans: 1:01
